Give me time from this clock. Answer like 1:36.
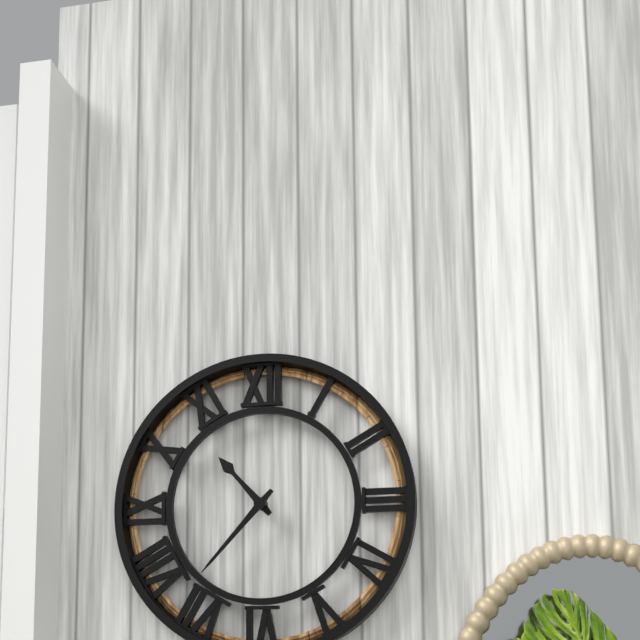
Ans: 10:37
